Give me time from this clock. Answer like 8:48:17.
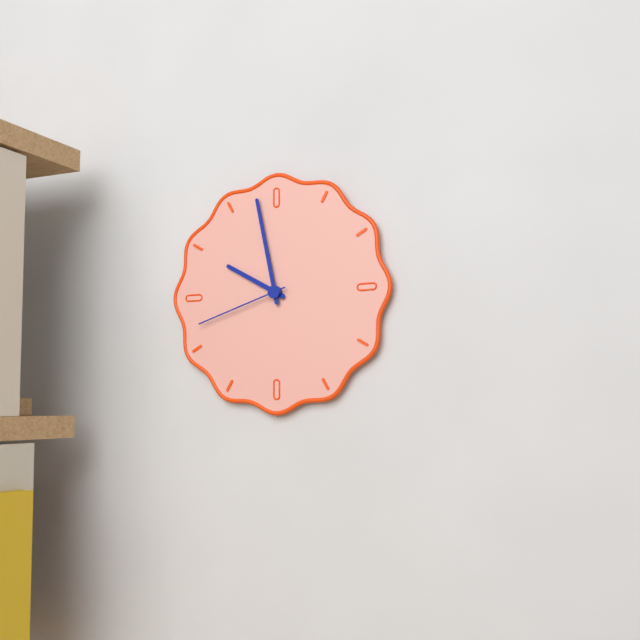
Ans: 9:58:42
